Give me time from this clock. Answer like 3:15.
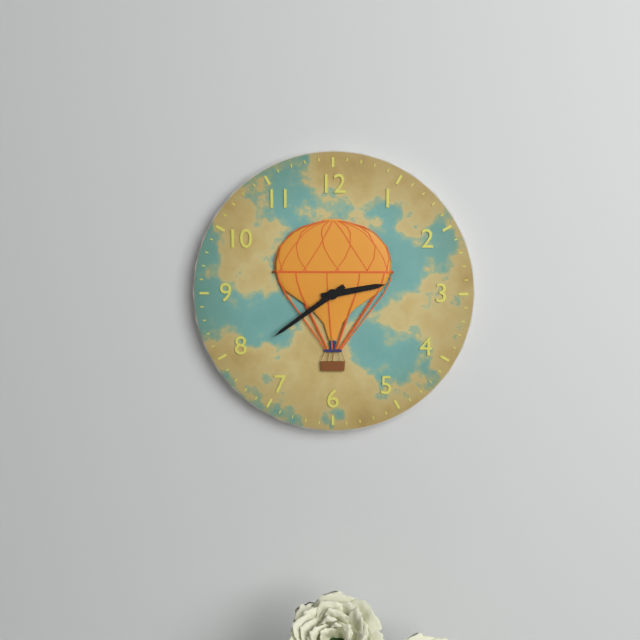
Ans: 2:39
